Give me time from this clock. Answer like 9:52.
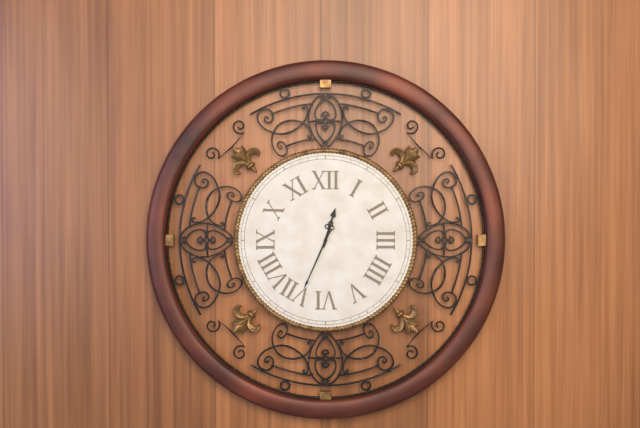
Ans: 12:34
